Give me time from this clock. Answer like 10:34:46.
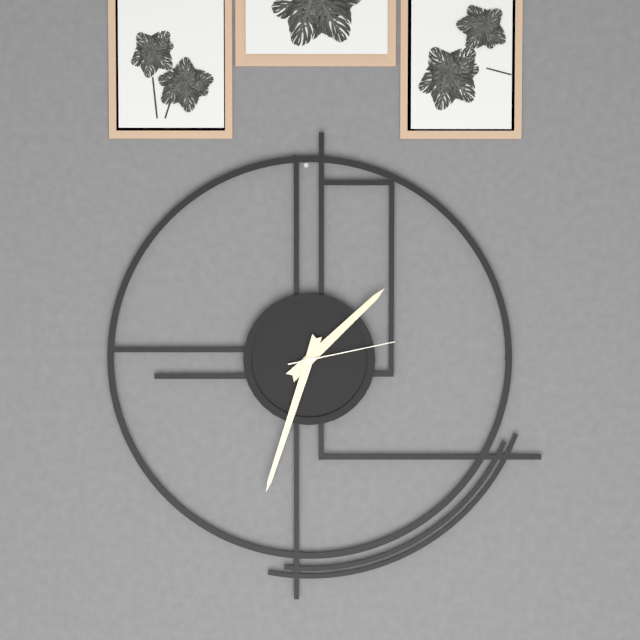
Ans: 1:33:13
